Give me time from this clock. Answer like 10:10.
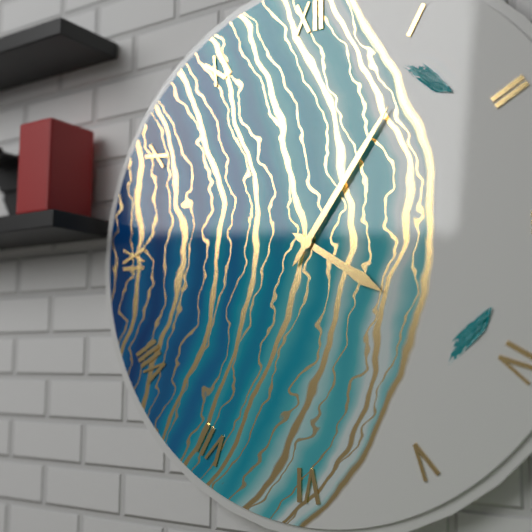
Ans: 4:06
